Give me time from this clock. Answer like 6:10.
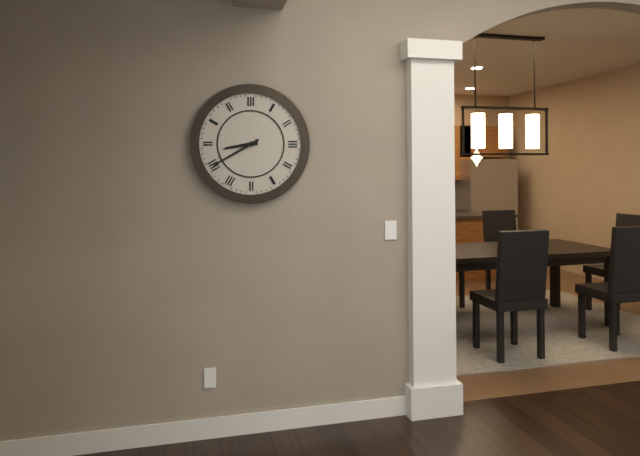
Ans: 8:40
